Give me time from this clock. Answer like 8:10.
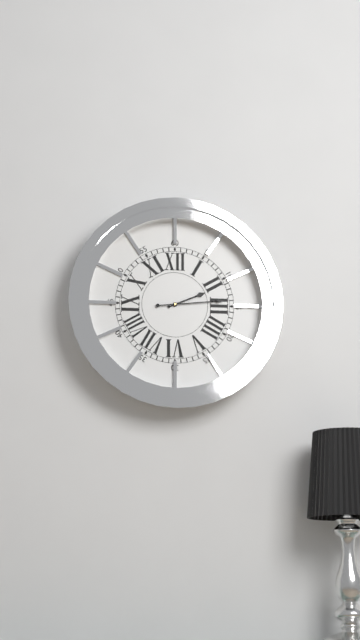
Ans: 2:14
